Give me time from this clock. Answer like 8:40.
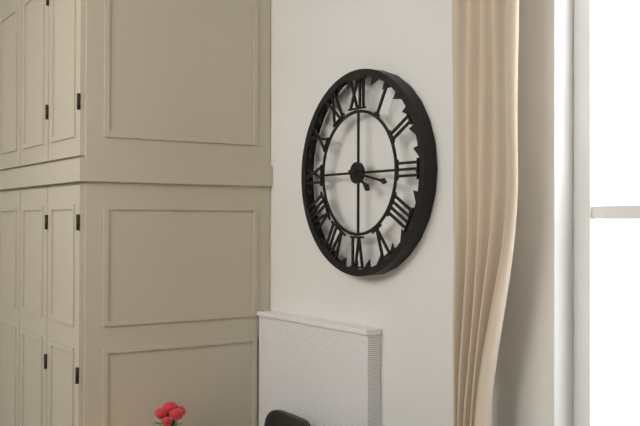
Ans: 4:17
